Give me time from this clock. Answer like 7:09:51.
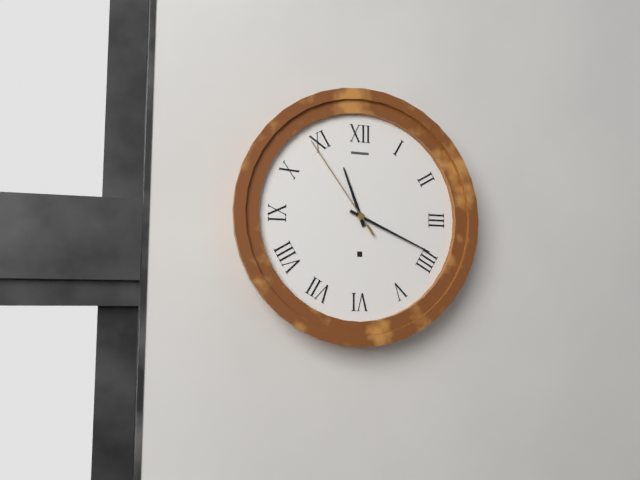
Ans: 11:19:54
